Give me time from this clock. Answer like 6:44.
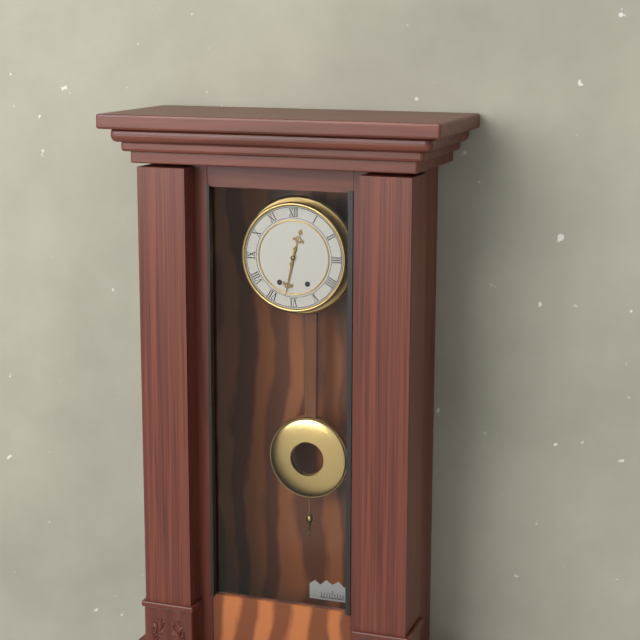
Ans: 12:32
